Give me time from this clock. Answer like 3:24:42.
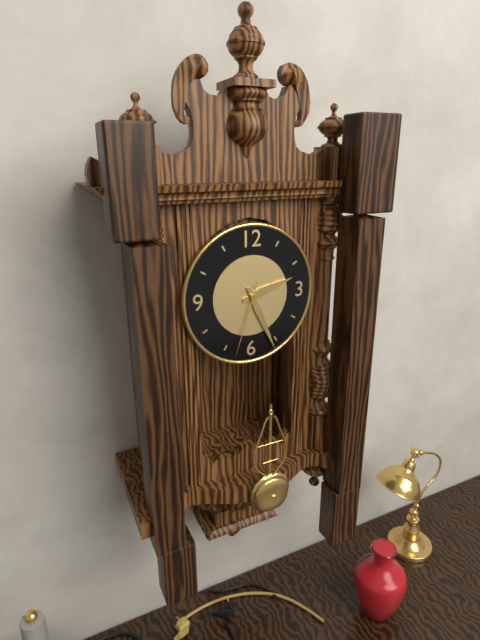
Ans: 2:26:33
